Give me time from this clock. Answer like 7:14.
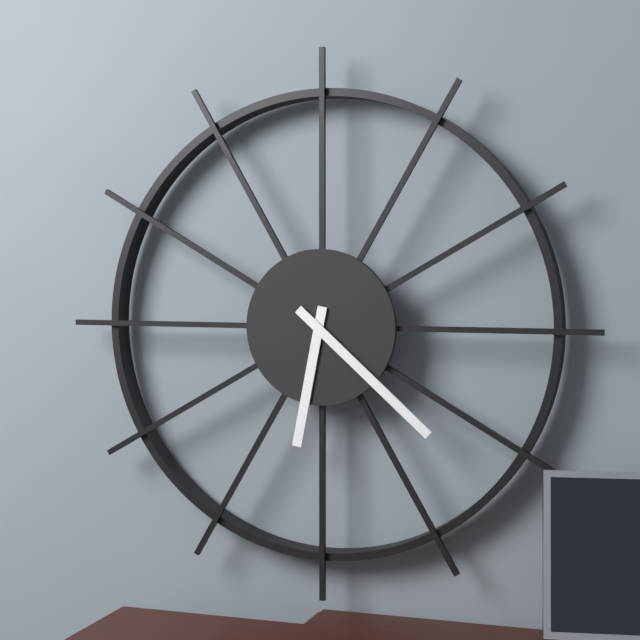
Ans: 6:22
